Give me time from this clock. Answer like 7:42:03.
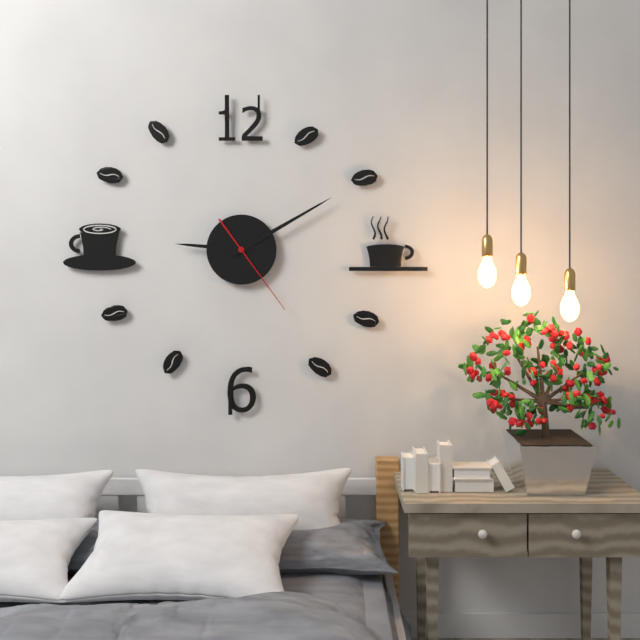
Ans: 9:10:24
